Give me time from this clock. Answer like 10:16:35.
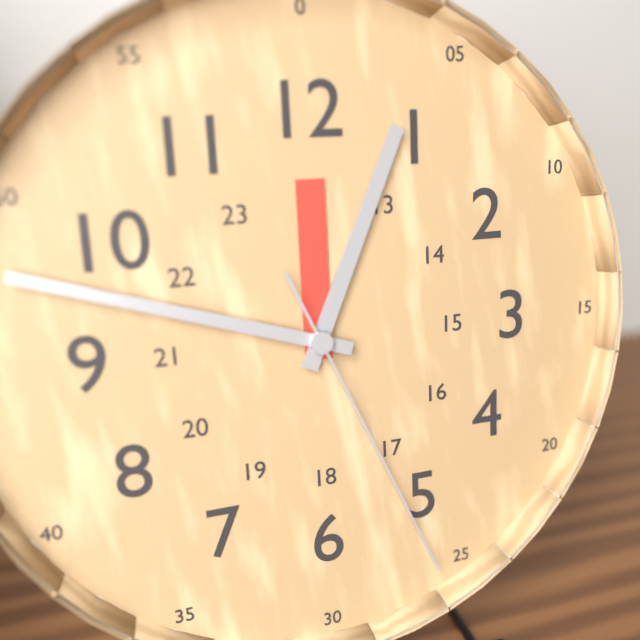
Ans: 12:48:26
